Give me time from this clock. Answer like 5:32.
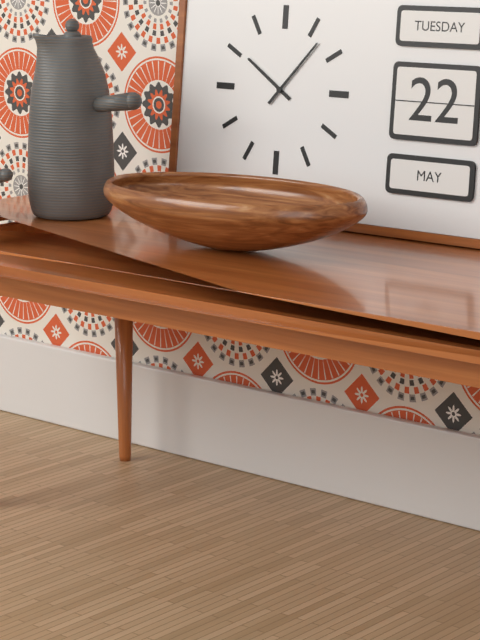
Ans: 10:07
